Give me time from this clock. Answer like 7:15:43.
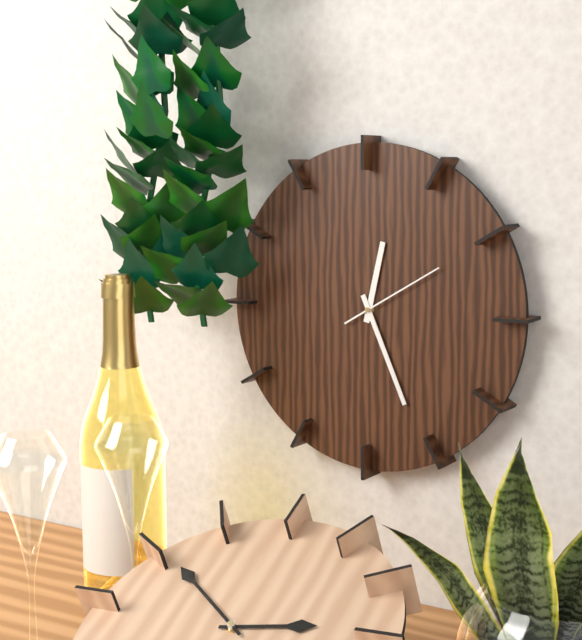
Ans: 12:26:10
